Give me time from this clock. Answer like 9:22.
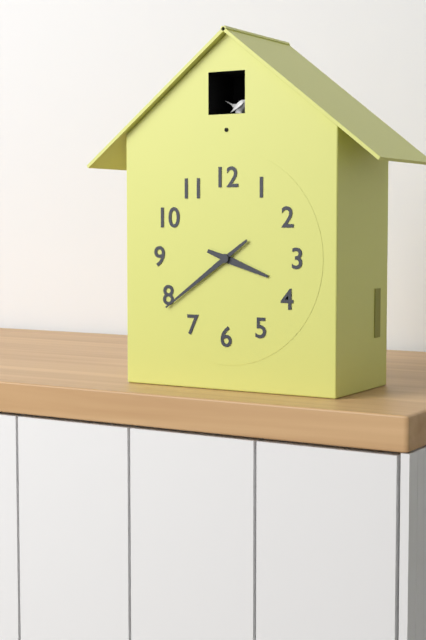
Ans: 3:39
